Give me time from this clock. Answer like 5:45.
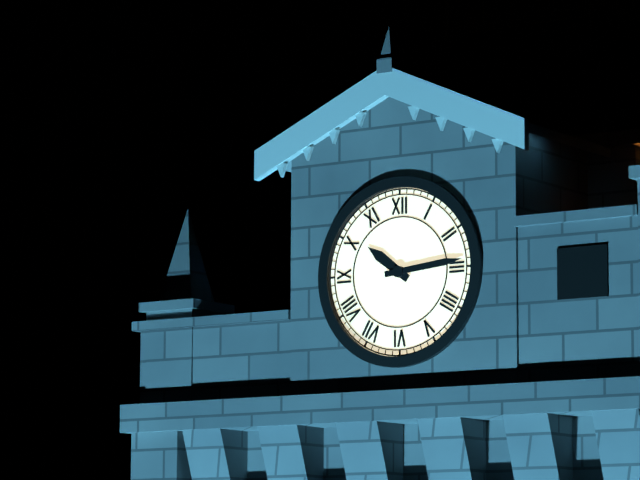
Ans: 10:14
